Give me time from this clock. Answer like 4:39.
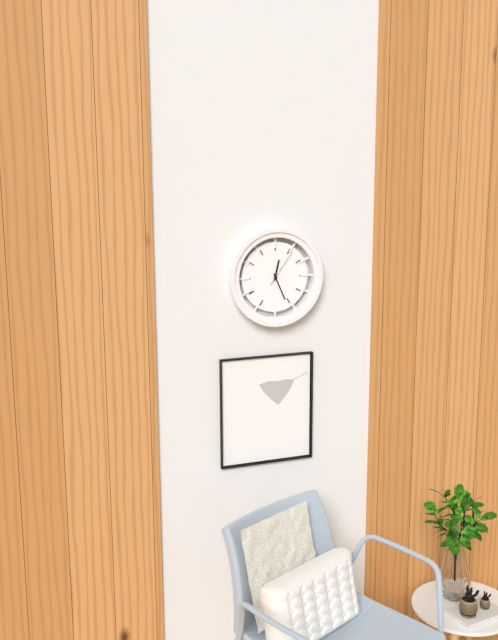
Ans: 12:26
